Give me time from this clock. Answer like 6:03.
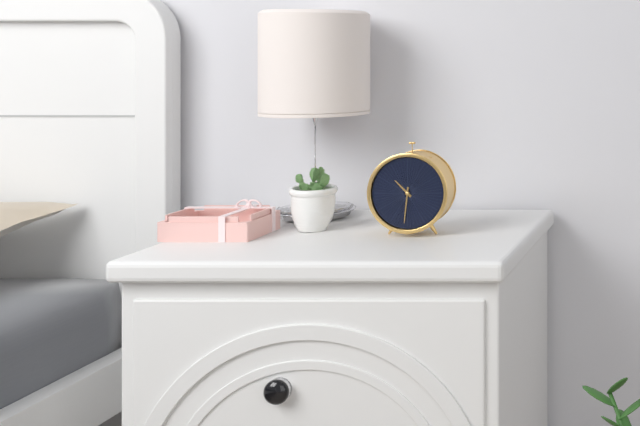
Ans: 10:31
